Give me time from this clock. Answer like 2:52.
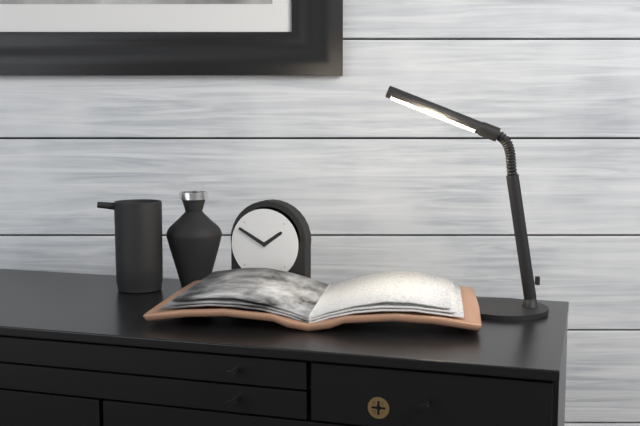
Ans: 1:50
